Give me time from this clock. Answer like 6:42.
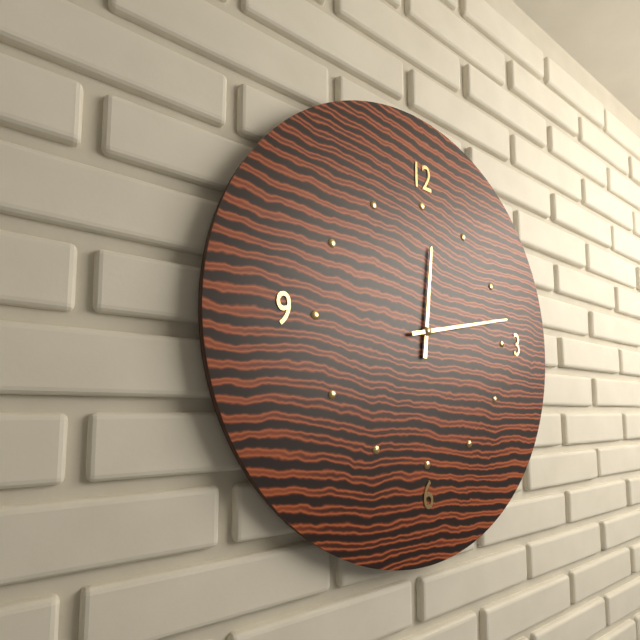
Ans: 12:13
